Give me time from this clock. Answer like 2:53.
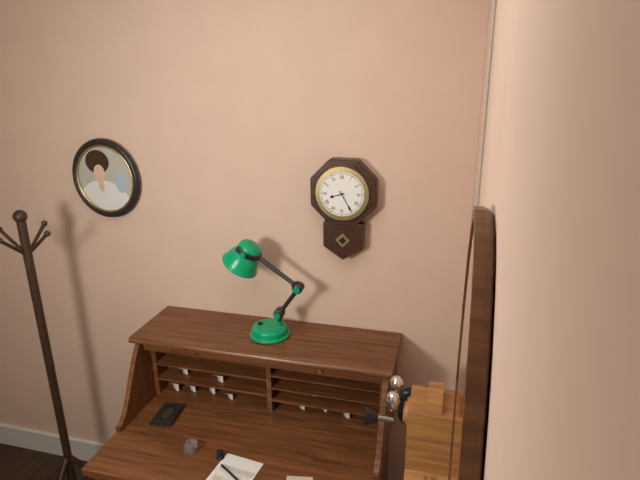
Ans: 8:25
